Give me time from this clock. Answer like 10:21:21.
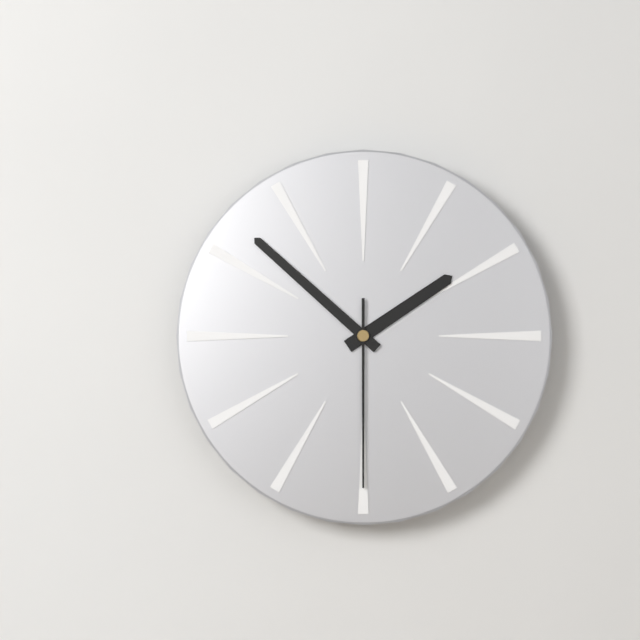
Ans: 1:52:30
